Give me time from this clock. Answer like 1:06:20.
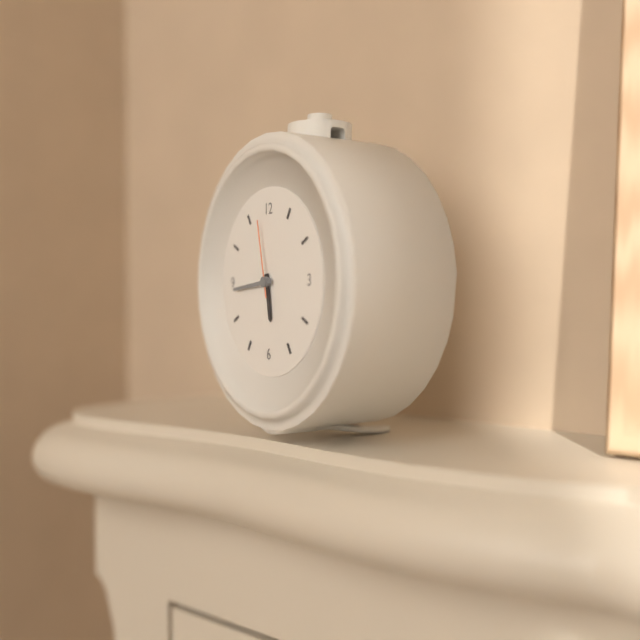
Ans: 5:44:58
